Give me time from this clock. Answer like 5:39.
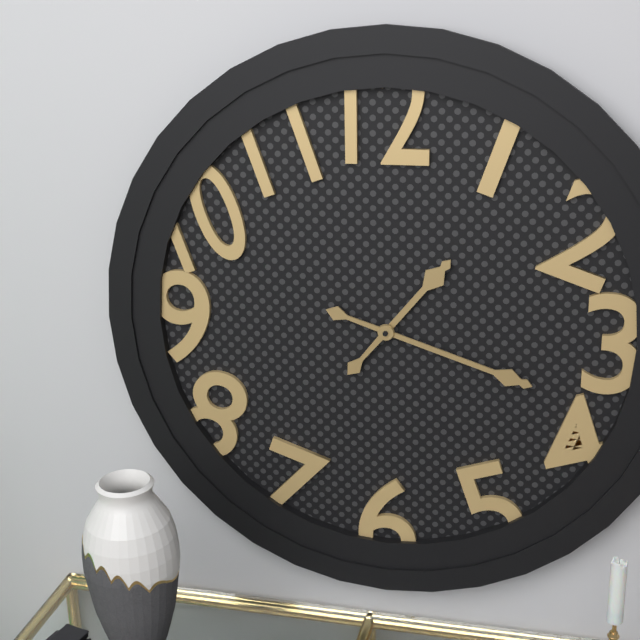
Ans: 1:18
